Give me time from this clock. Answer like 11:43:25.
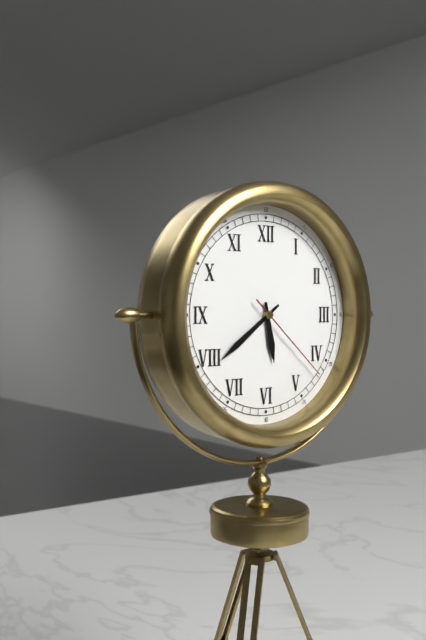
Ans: 5:39:22
